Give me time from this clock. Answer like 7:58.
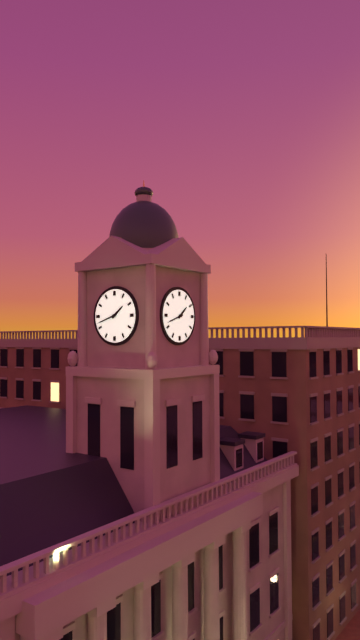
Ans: 1:42
